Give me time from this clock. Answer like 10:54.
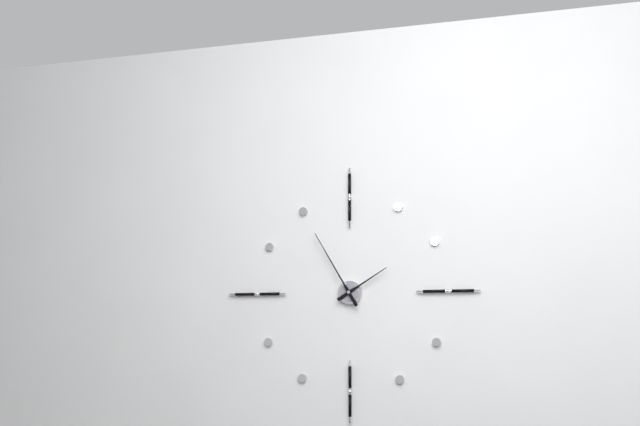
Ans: 1:55
